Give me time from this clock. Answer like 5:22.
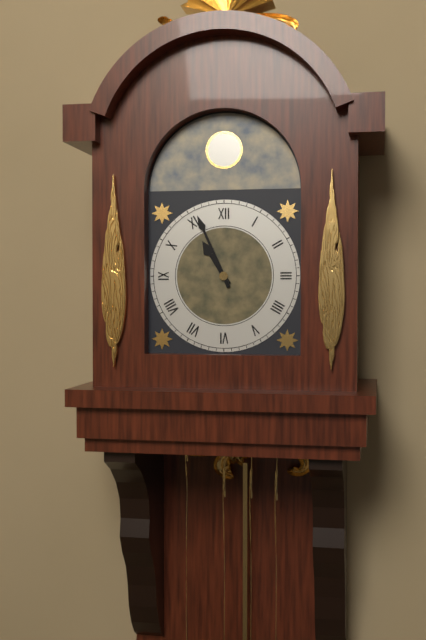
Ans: 10:56
